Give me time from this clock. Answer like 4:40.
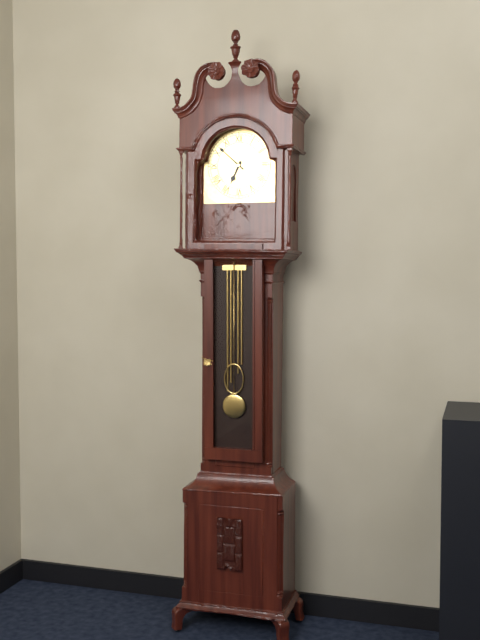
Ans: 6:52
